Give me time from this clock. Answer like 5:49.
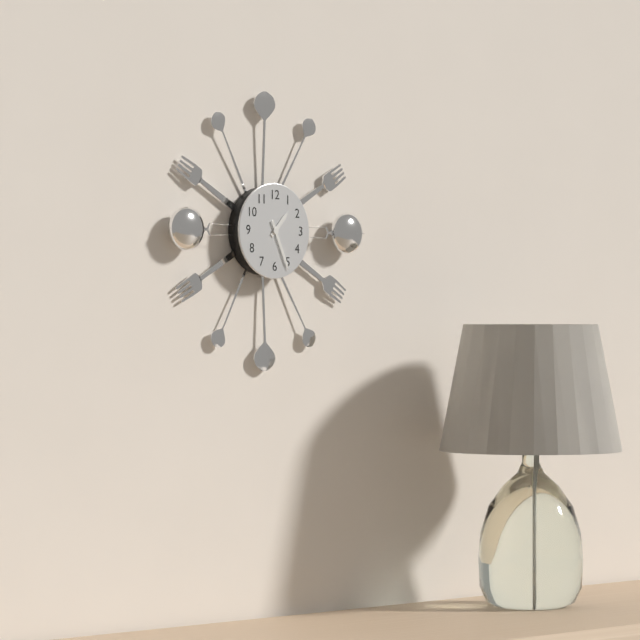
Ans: 1:26
